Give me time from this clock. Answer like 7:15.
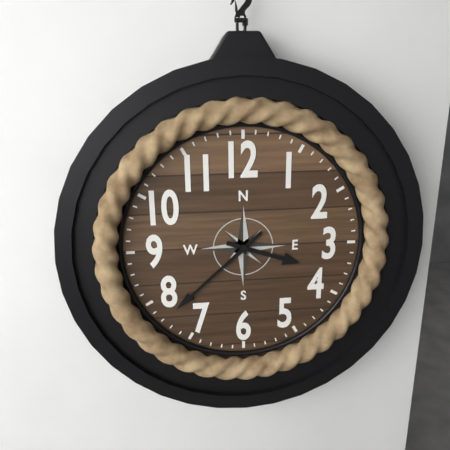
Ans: 3:38
